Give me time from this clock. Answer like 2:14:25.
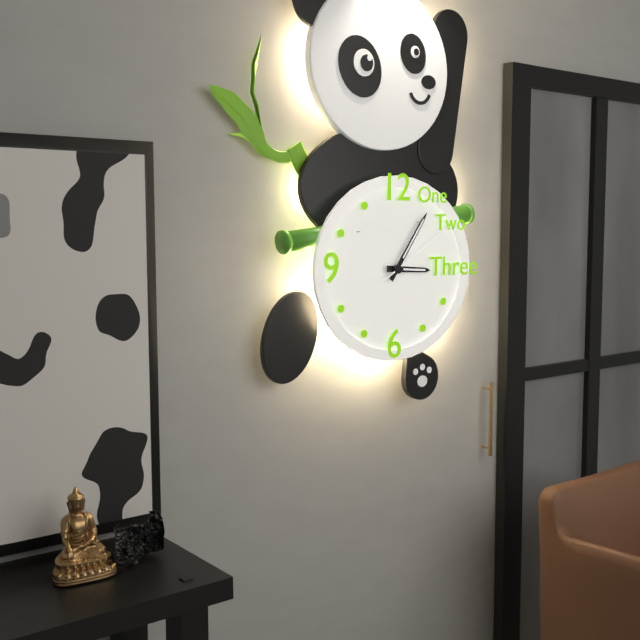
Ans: 3:06:10
